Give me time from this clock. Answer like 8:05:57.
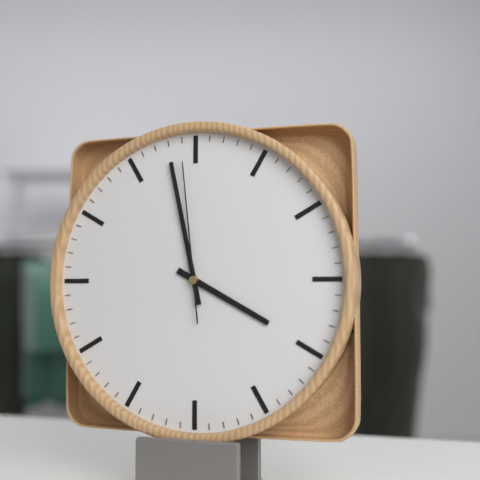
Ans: 3:58:59
